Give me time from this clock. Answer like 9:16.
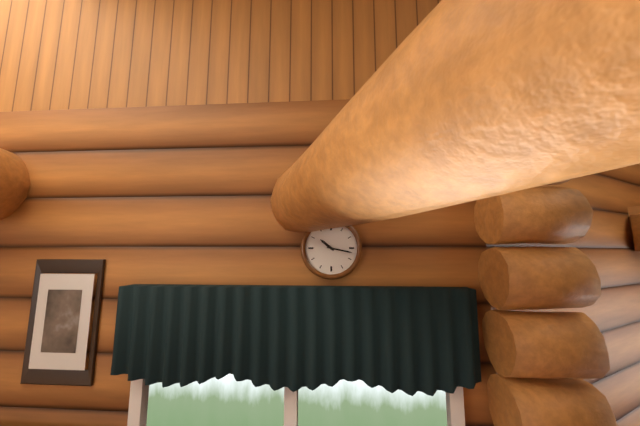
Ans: 10:17
